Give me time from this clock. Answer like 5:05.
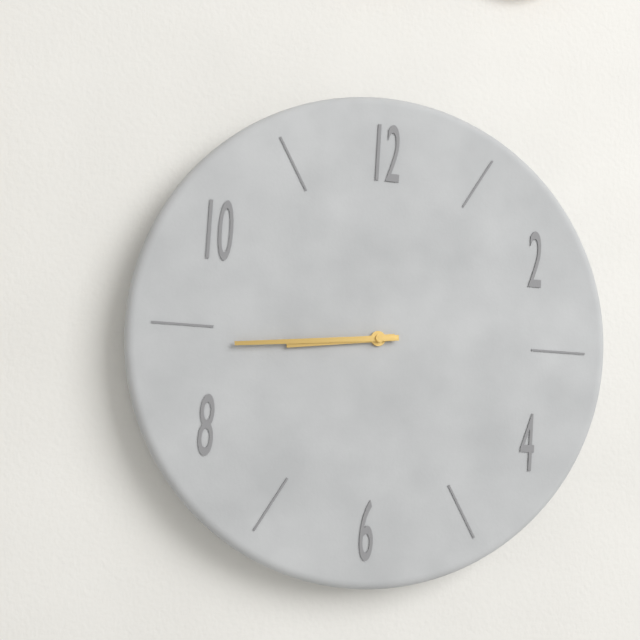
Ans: 8:44
